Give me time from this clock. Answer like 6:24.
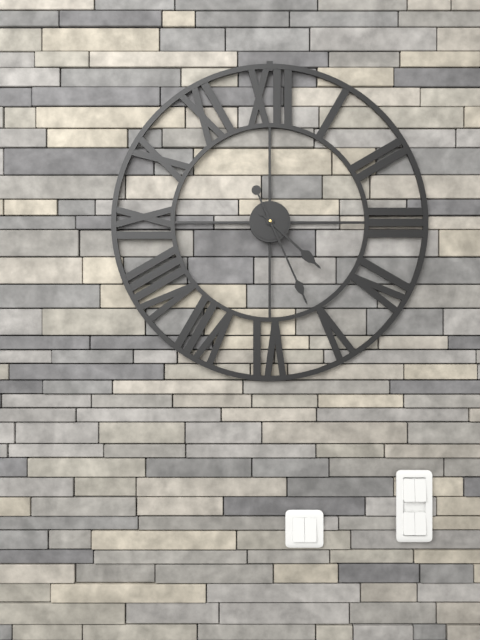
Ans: 4:26
